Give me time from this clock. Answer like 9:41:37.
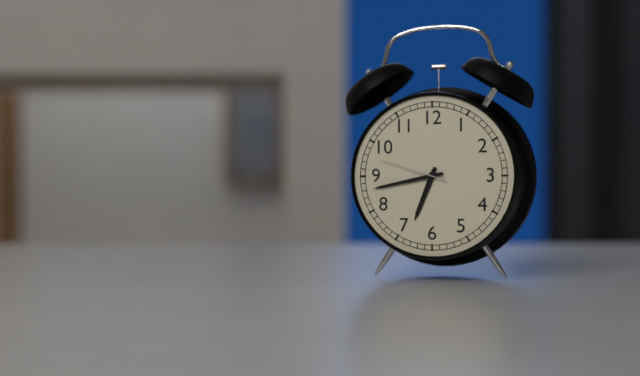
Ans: 6:43:48
